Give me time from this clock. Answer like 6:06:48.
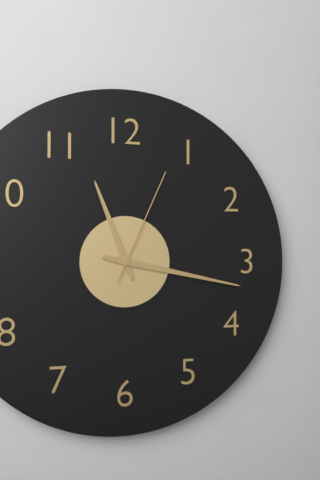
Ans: 11:17:04
